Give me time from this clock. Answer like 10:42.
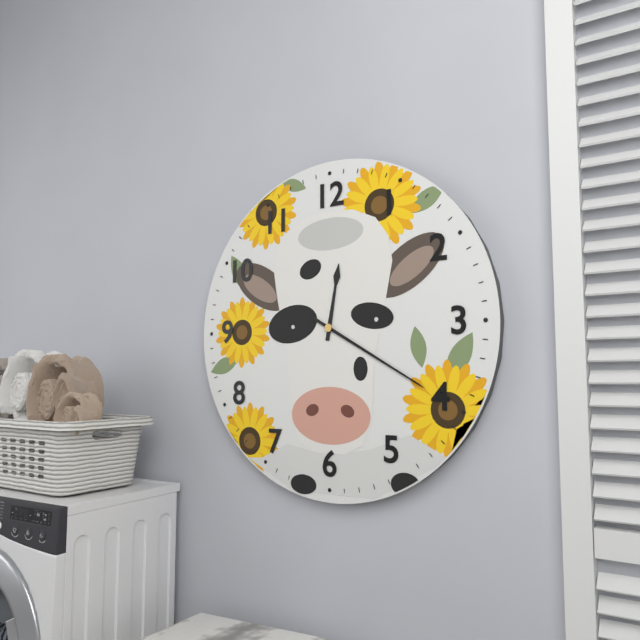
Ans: 12:20
